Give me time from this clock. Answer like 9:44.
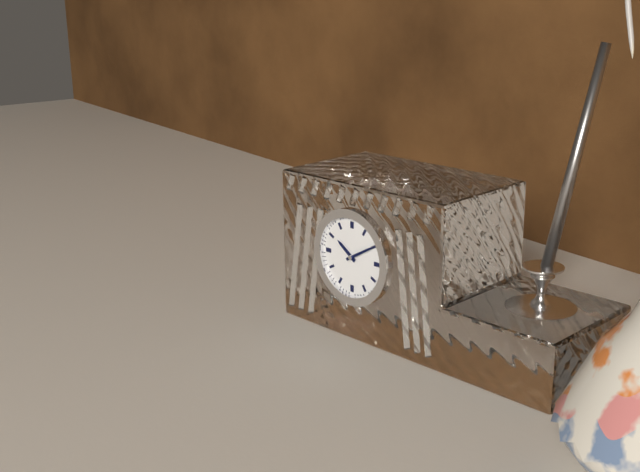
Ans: 10:10
